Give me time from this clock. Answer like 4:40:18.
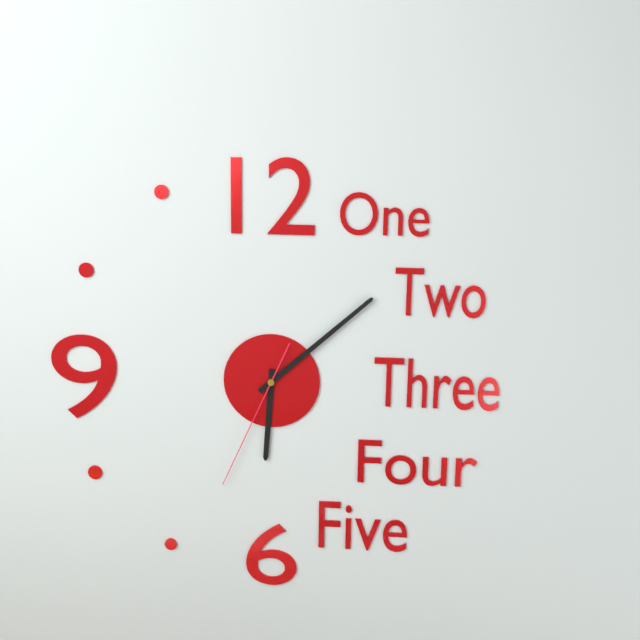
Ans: 6:08:34
